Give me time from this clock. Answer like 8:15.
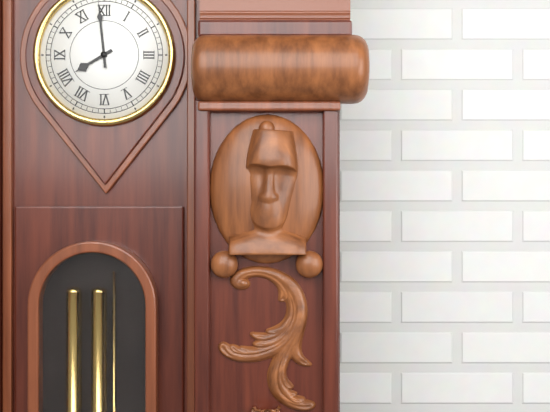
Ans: 7:59
